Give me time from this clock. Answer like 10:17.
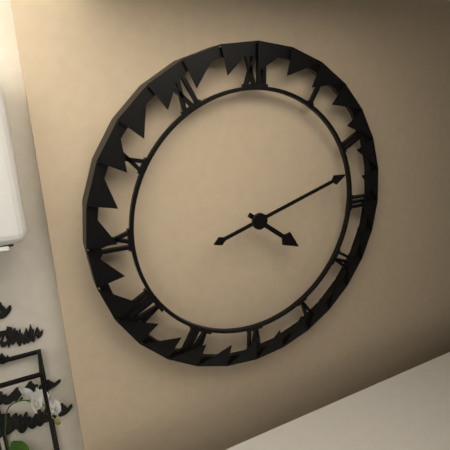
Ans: 4:12
